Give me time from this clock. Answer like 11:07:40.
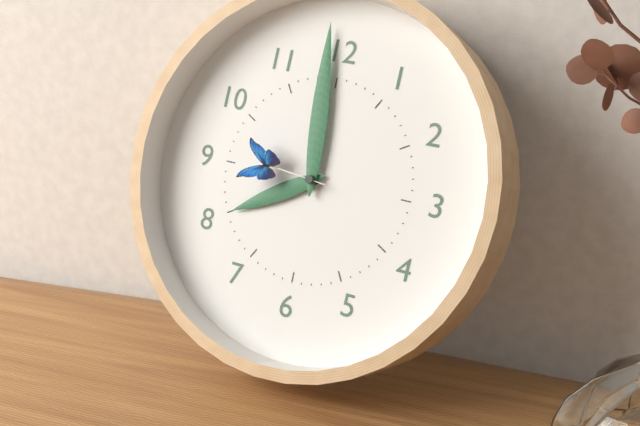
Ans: 7:59:46
